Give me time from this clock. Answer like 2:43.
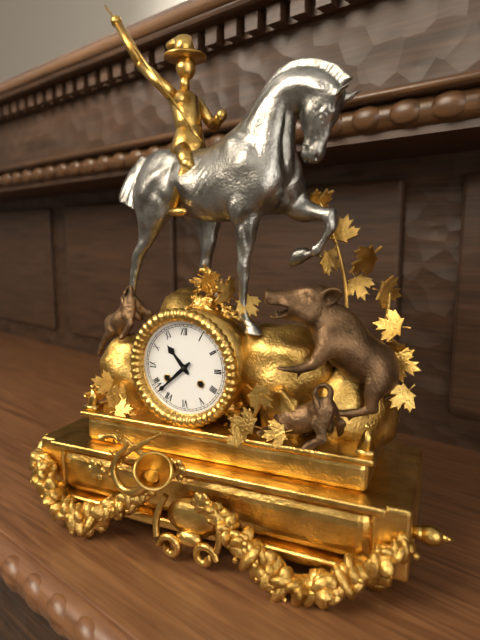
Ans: 10:38
